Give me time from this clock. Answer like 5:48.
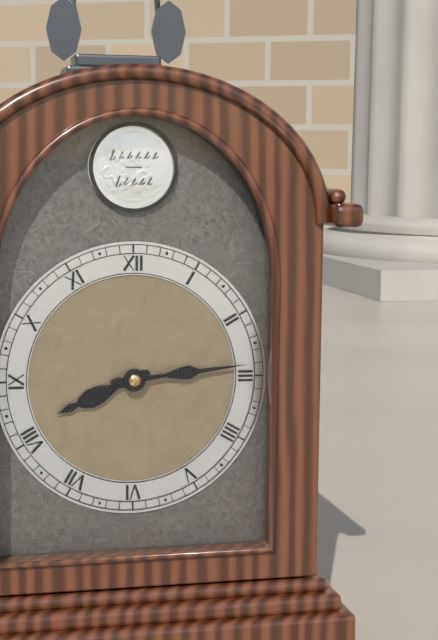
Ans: 8:14
